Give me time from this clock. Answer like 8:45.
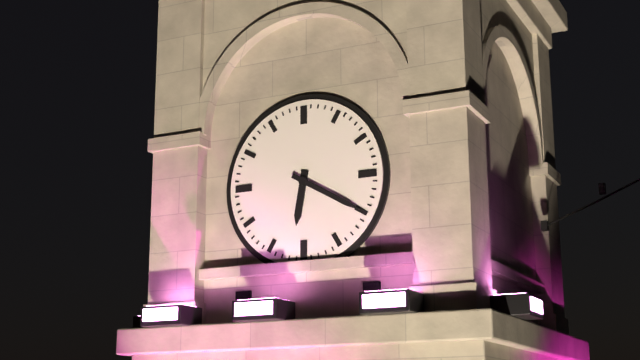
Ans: 6:20
